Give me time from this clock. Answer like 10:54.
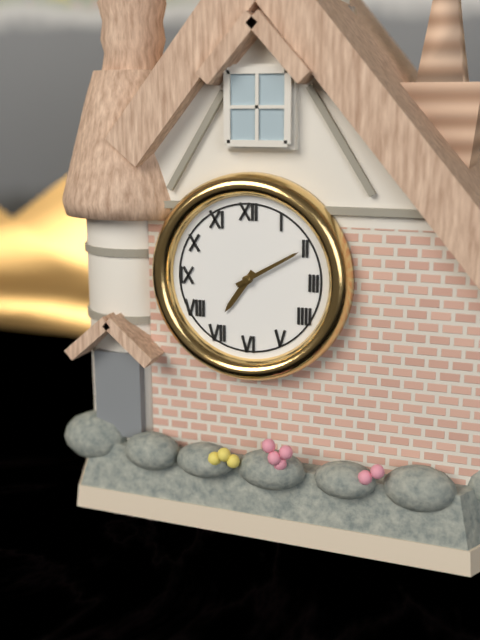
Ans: 7:10
